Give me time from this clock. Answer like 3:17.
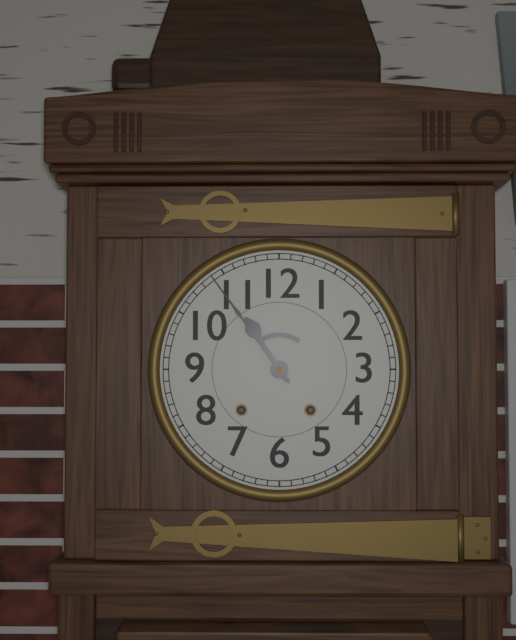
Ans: 10:54
